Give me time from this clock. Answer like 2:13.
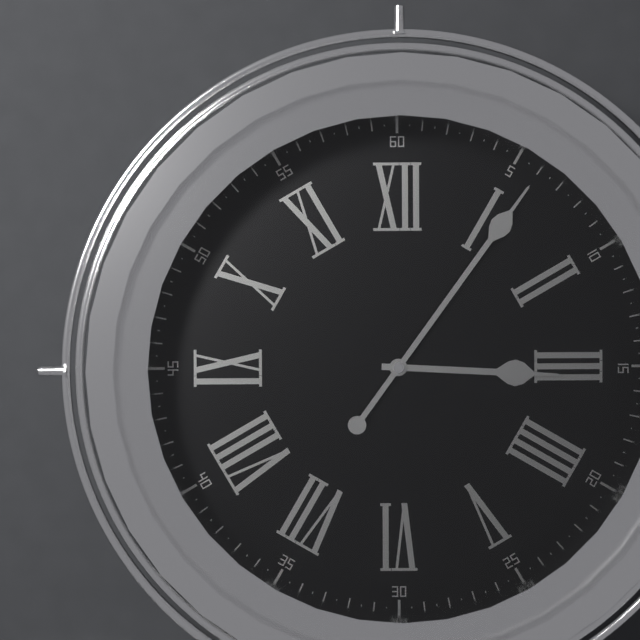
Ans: 3:06
